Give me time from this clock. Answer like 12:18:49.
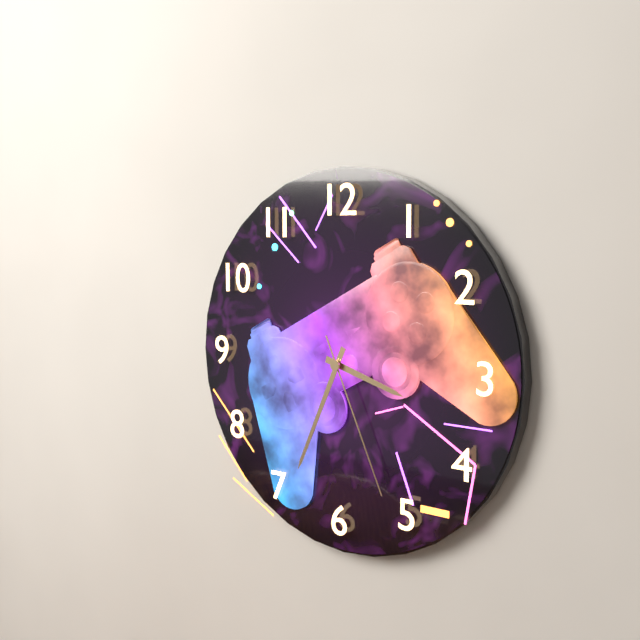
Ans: 3:34:26
